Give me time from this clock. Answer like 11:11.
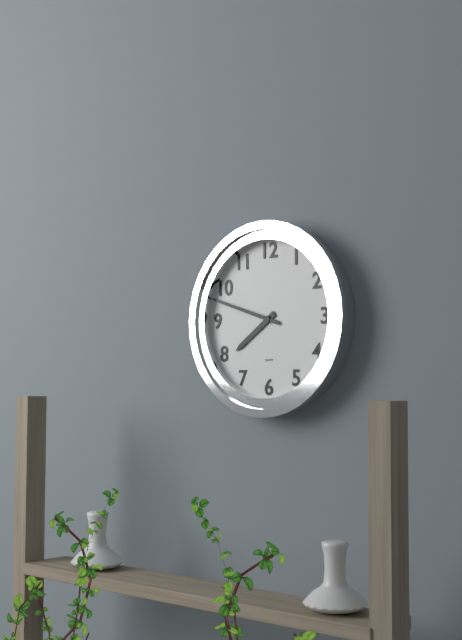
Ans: 7:48
